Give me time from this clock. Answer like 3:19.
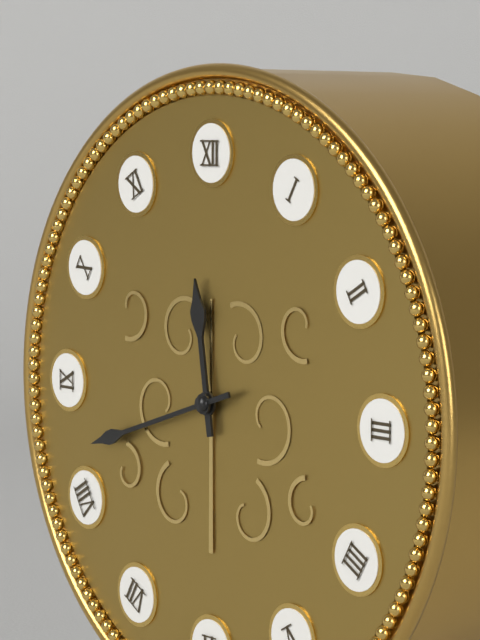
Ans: 11:42
